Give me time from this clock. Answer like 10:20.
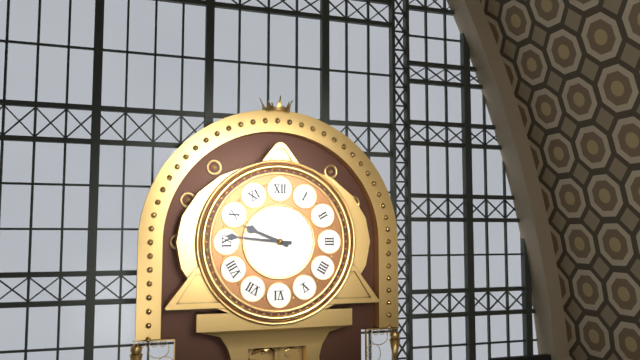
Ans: 9:46
